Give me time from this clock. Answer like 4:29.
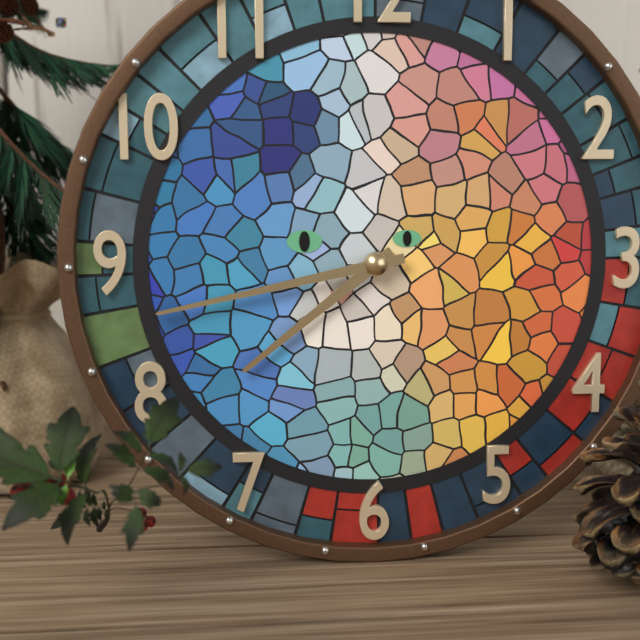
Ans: 7:43
